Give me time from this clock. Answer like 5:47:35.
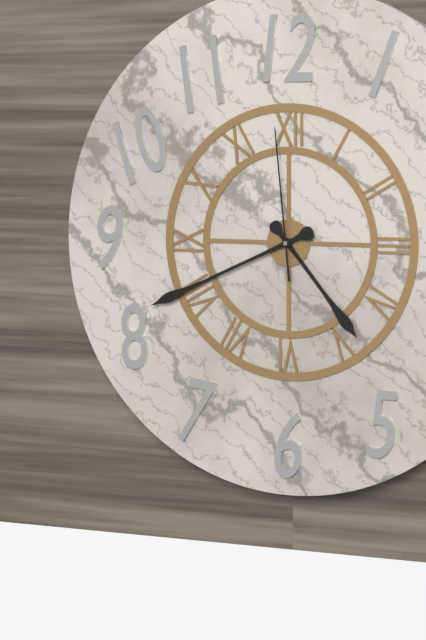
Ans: 4:41:59
